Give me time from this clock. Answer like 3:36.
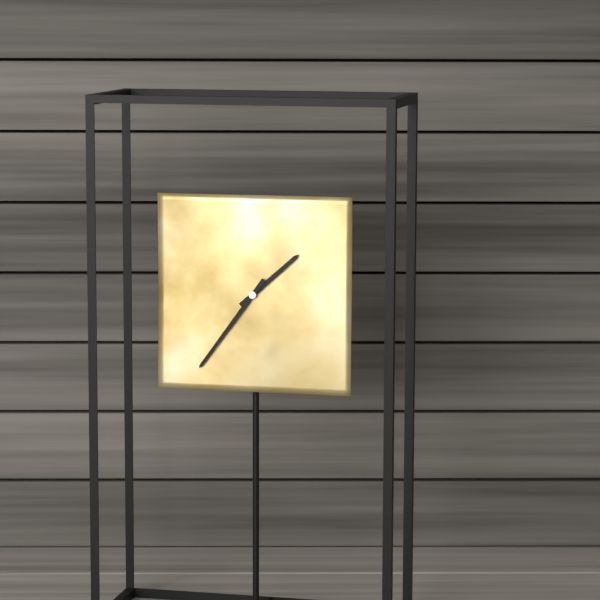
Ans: 1:36
